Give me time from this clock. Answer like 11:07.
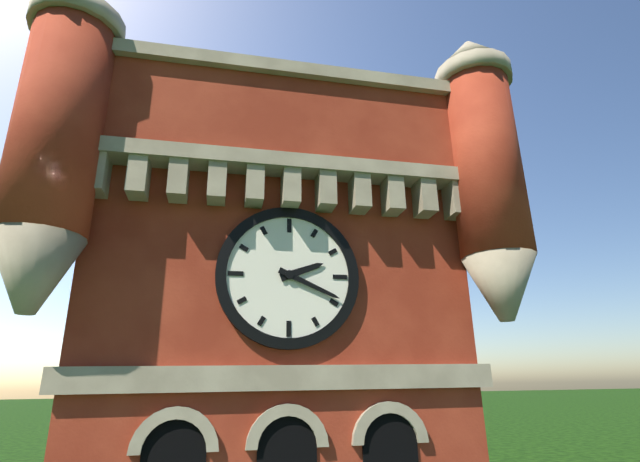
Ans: 2:19
